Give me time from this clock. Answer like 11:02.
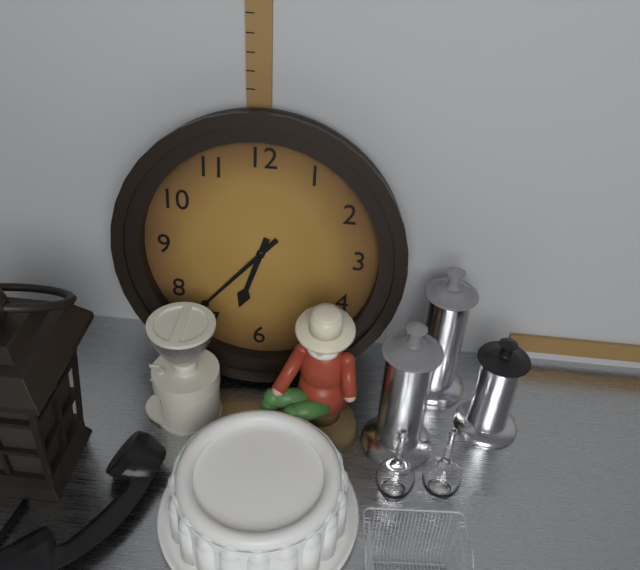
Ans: 6:37
